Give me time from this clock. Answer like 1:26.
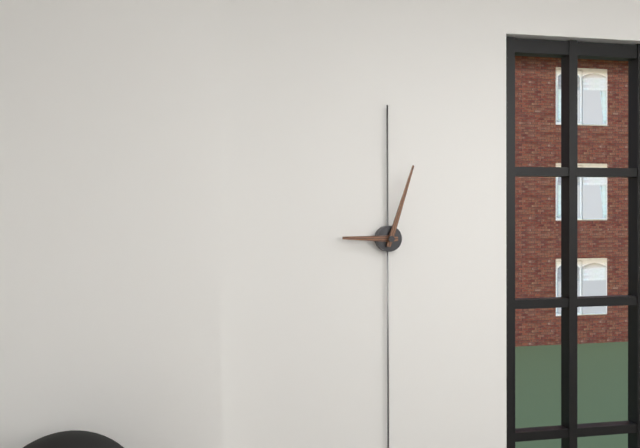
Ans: 9:03
